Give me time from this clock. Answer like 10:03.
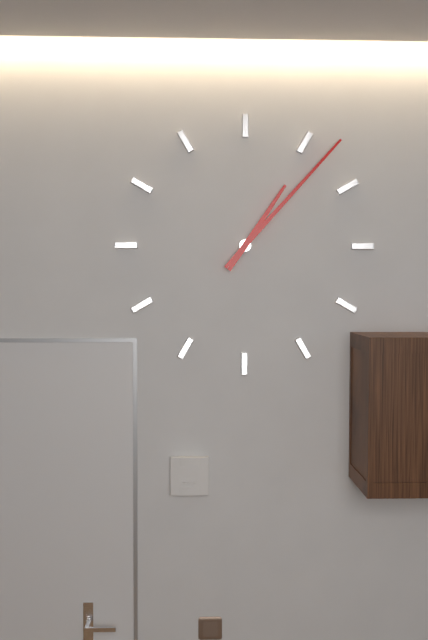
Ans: 1:07
